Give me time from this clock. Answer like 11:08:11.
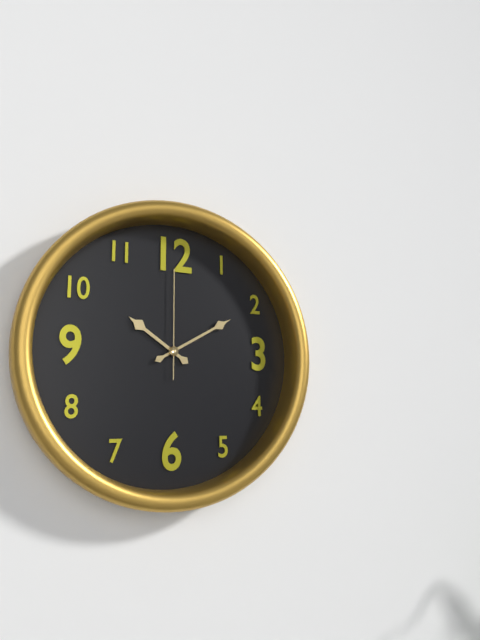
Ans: 10:10:00
